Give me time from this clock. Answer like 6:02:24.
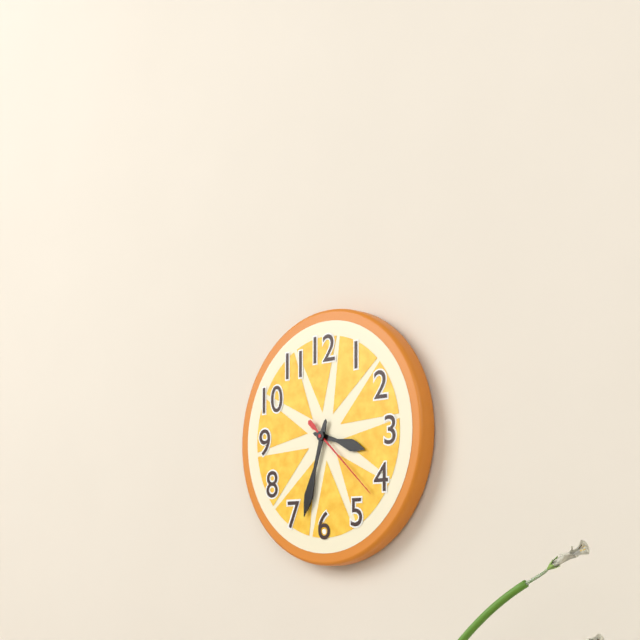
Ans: 3:33:22
